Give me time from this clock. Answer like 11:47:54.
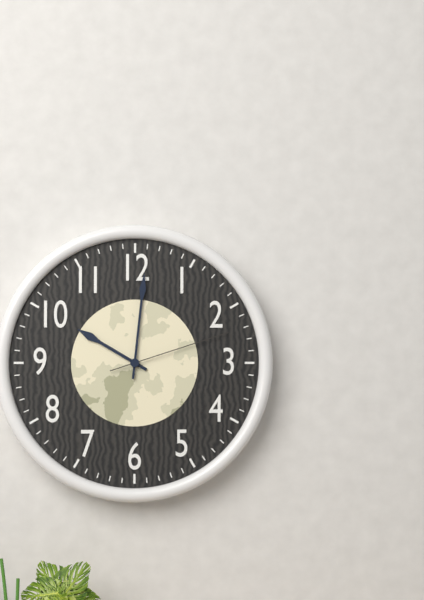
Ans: 10:01:12
